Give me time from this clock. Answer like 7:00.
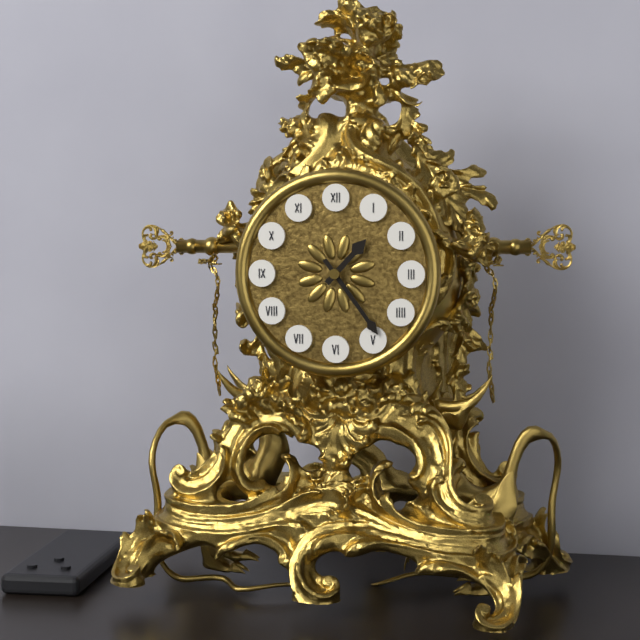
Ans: 1:24
